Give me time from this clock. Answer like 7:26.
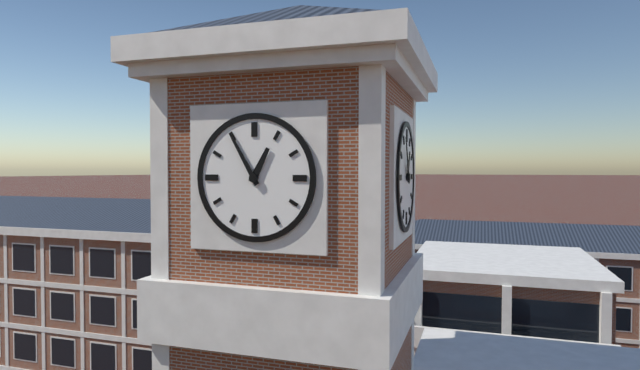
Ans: 12:55
